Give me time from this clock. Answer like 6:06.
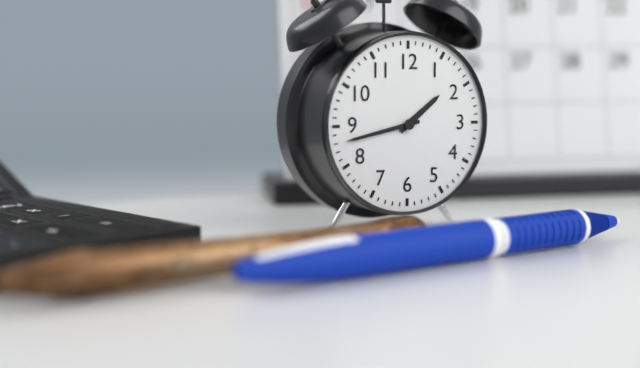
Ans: 1:43
